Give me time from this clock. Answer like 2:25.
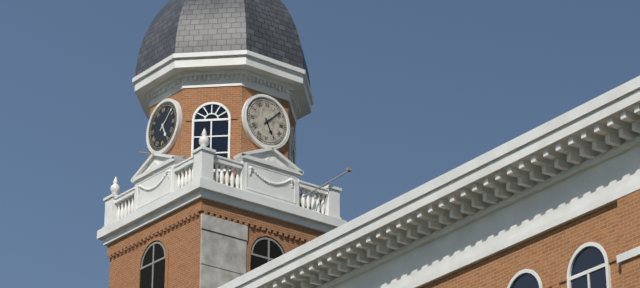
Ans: 5:08
